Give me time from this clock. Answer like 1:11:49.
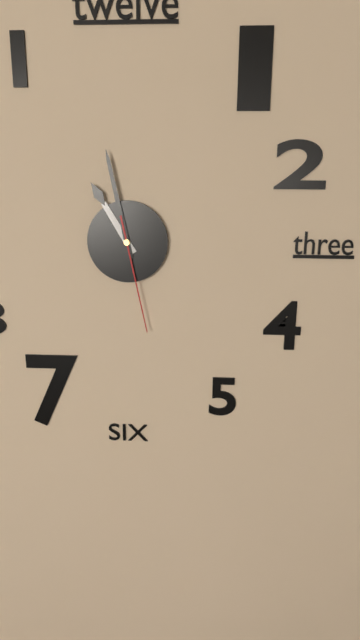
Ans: 10:58:28
